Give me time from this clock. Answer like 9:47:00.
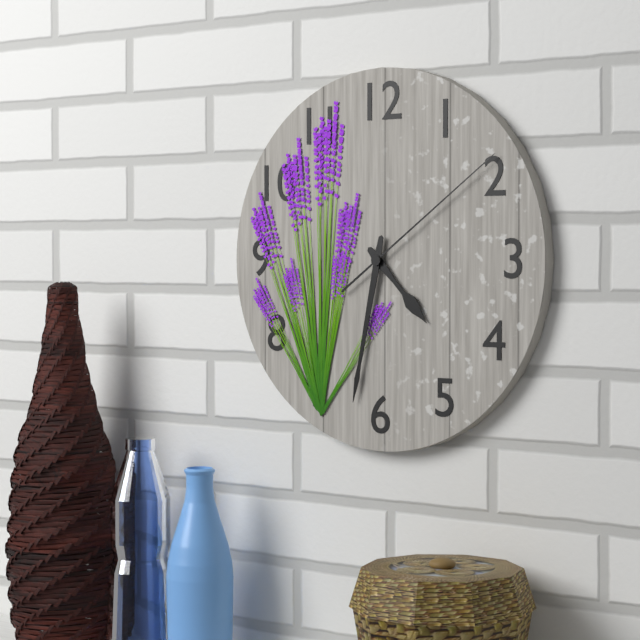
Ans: 4:32:09
